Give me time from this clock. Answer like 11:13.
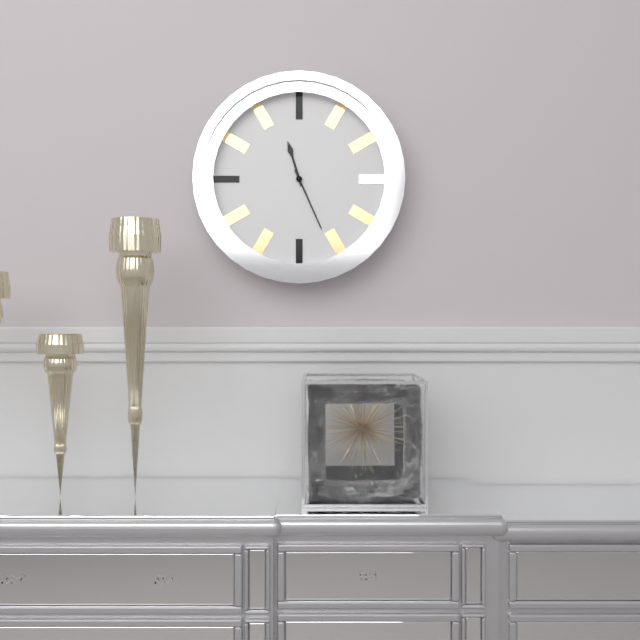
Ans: 11:26
